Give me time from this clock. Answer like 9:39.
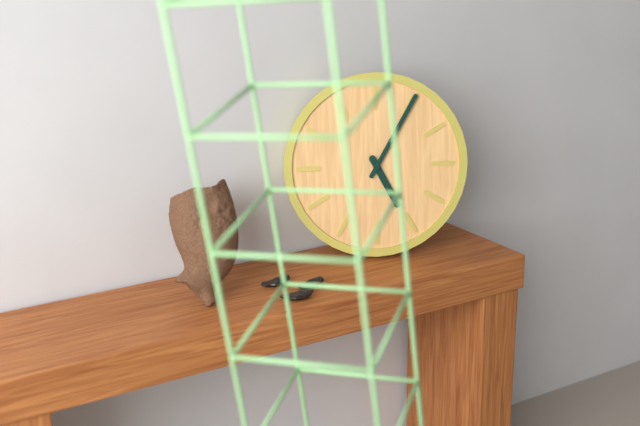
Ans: 5:05
